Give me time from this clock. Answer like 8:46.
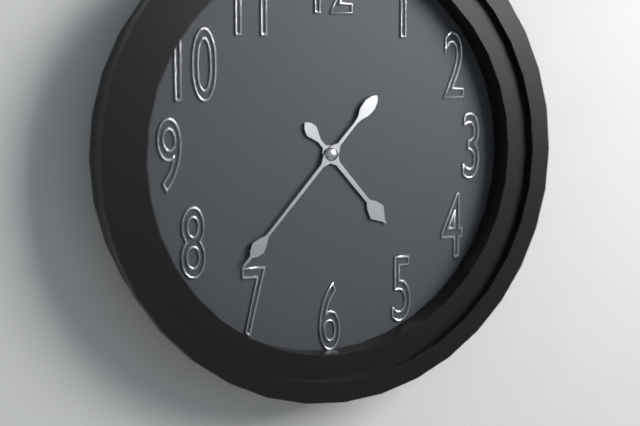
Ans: 4:37
